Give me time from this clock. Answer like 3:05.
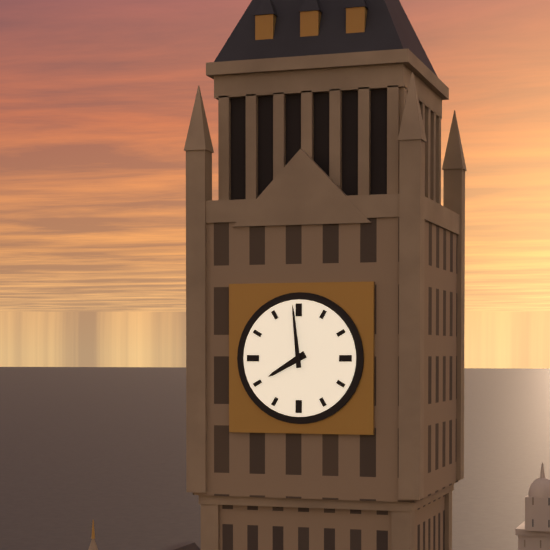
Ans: 7:59
